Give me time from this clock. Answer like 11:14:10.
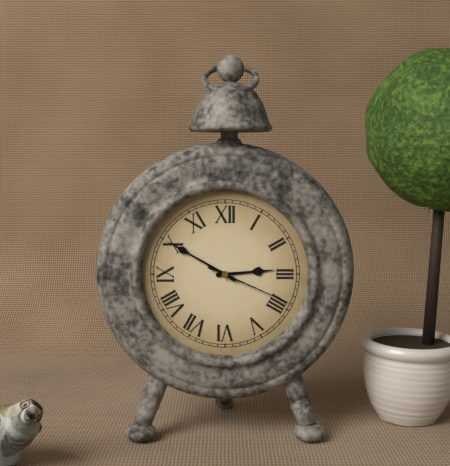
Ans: 2:50:19
